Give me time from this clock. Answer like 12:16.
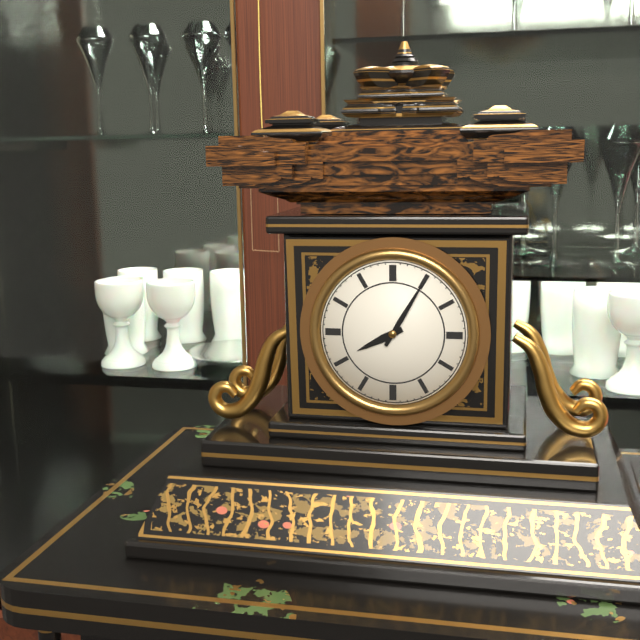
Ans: 8:05
